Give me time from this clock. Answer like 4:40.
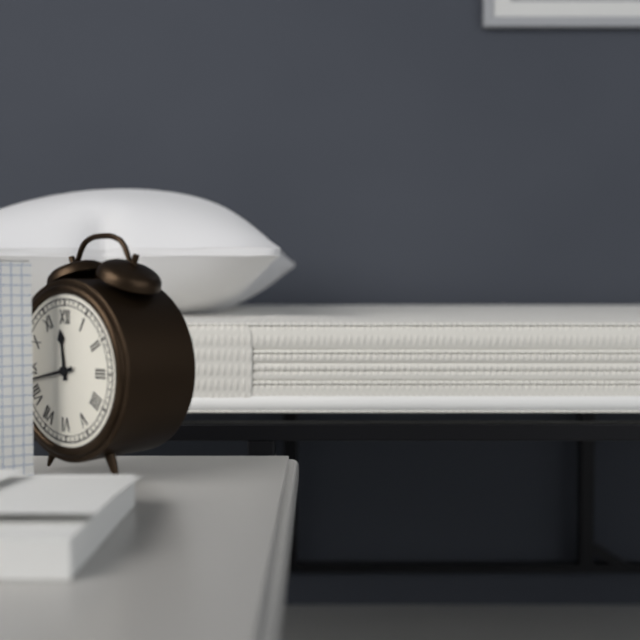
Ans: 11:43
